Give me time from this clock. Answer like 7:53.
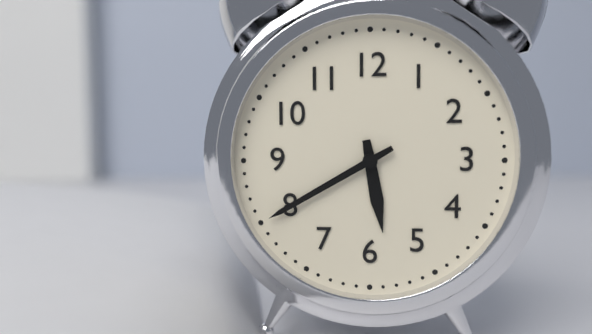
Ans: 5:40
